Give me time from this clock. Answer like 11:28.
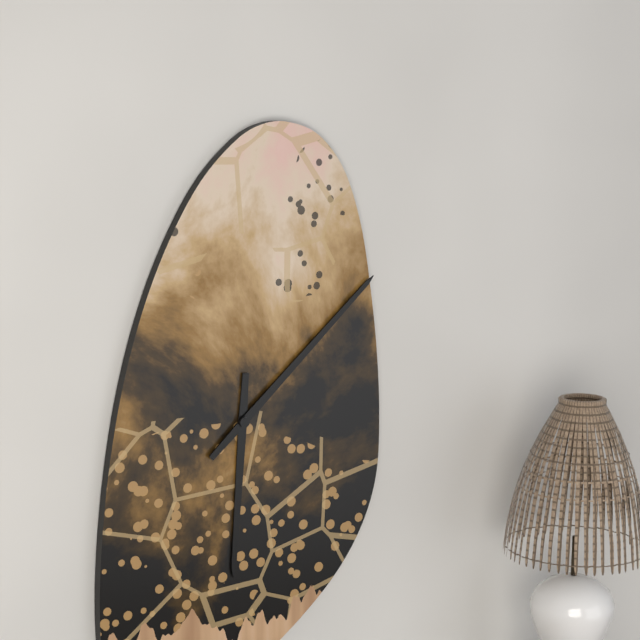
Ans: 6:08
